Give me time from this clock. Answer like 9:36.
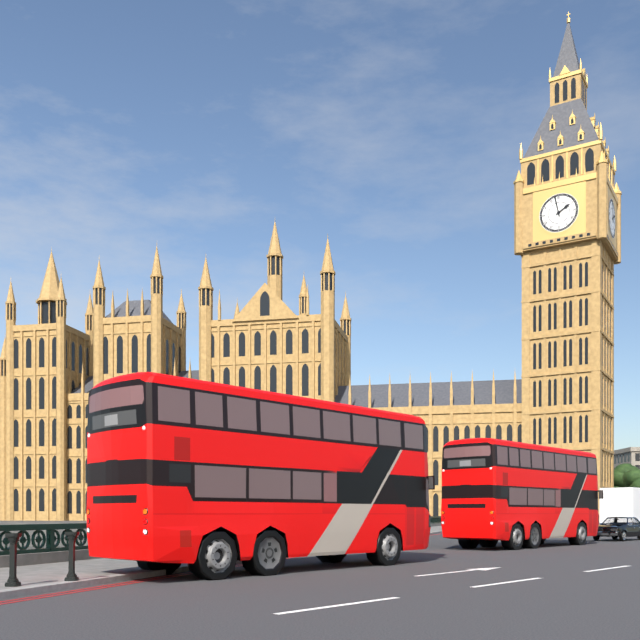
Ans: 1:58
